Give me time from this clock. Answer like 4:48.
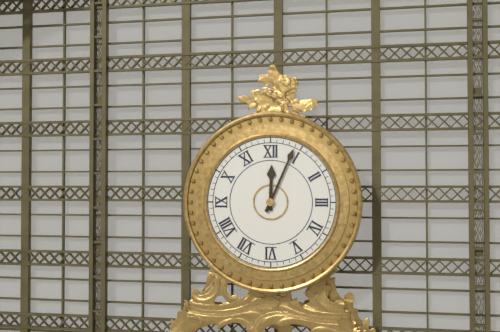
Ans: 12:04
